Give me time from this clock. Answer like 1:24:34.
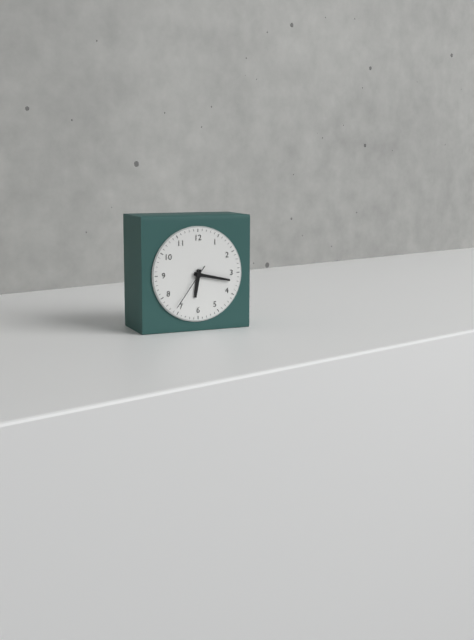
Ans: 6:17:36
